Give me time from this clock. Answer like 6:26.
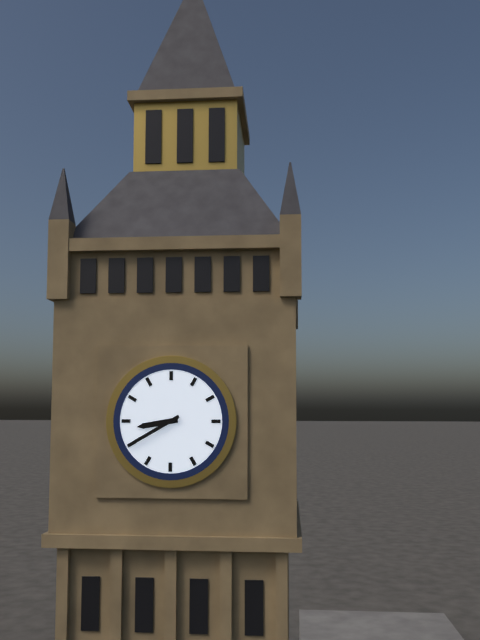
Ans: 8:40
